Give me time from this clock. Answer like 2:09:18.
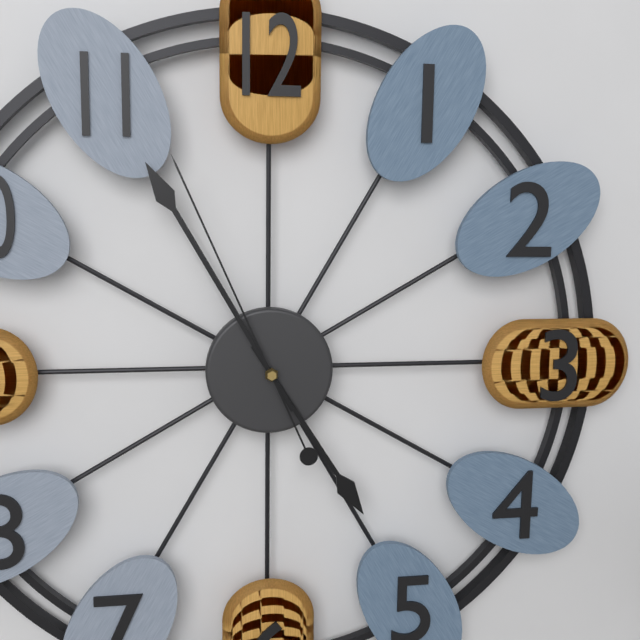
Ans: 4:55:56
